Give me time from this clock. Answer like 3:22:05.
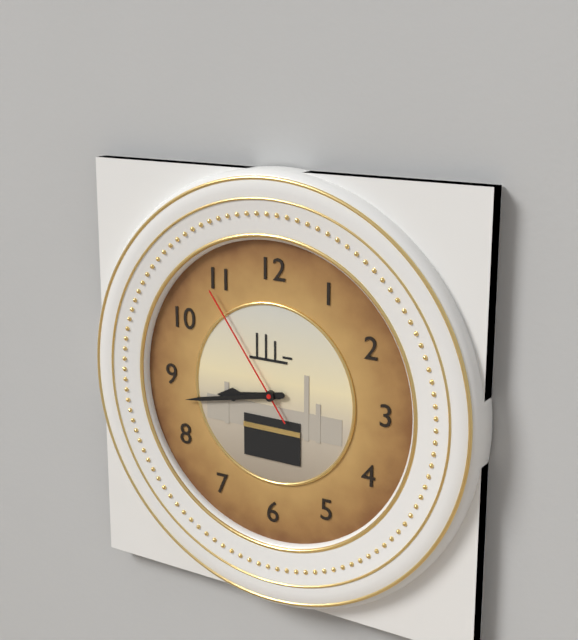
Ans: 8:43:54
